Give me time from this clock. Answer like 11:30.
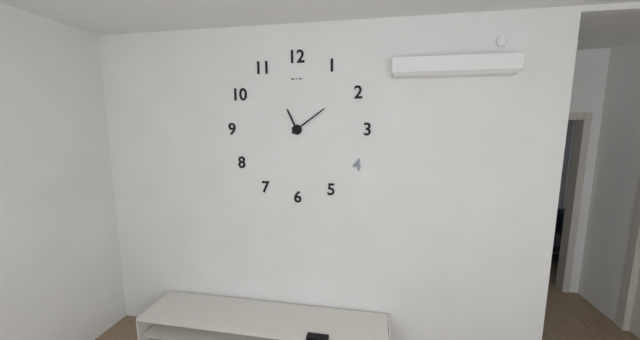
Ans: 11:09
